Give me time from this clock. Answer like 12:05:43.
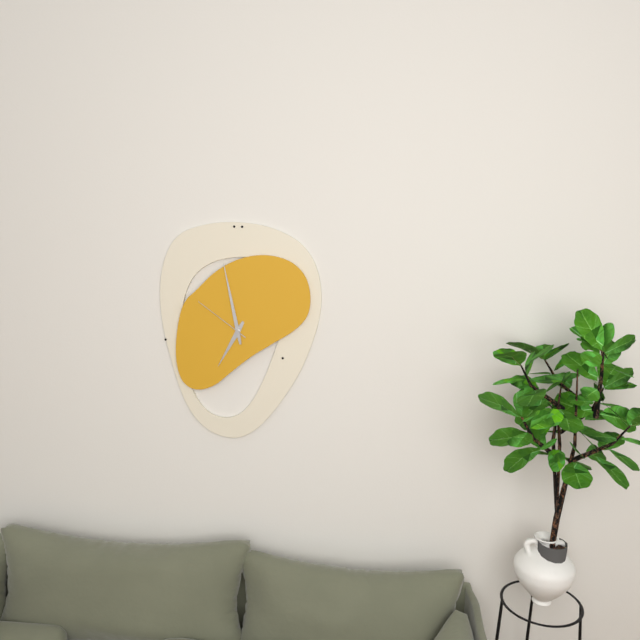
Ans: 6:58:51
